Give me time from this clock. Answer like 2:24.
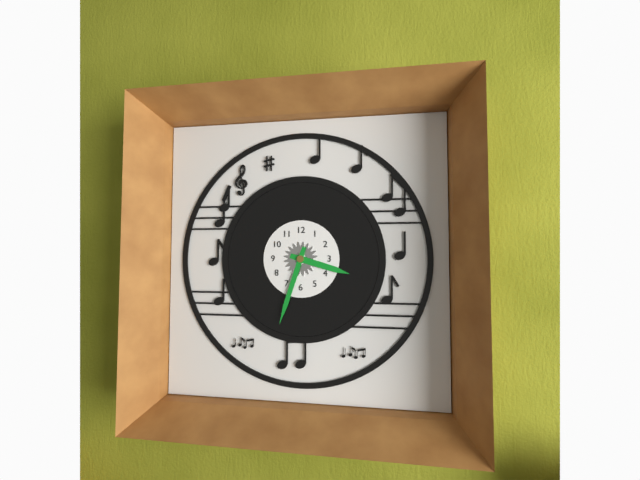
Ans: 3:33
